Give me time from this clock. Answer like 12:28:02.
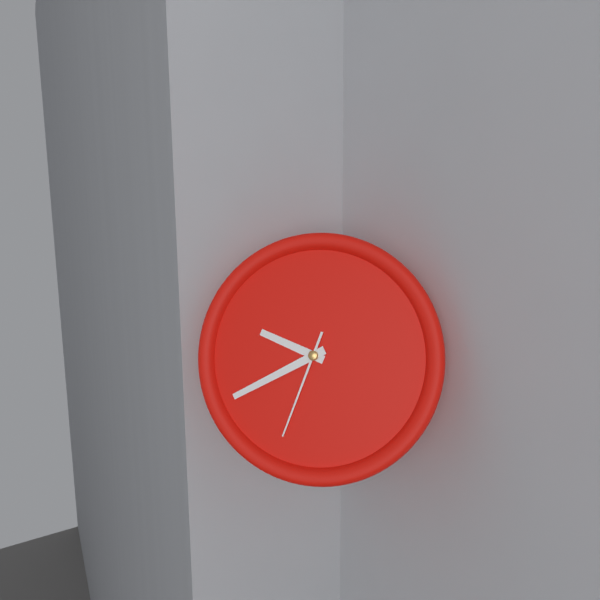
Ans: 9:40:33
